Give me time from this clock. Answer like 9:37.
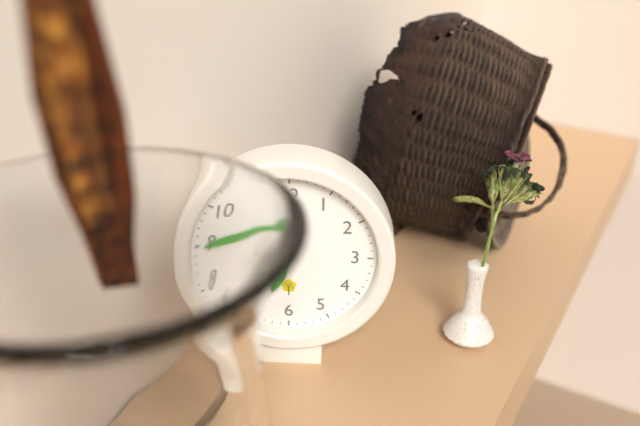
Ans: 6:45
